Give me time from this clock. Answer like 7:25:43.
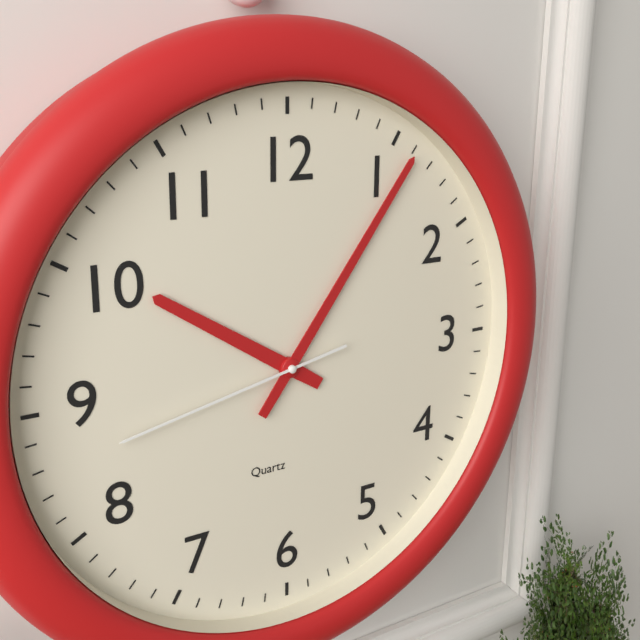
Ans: 10:06:43
